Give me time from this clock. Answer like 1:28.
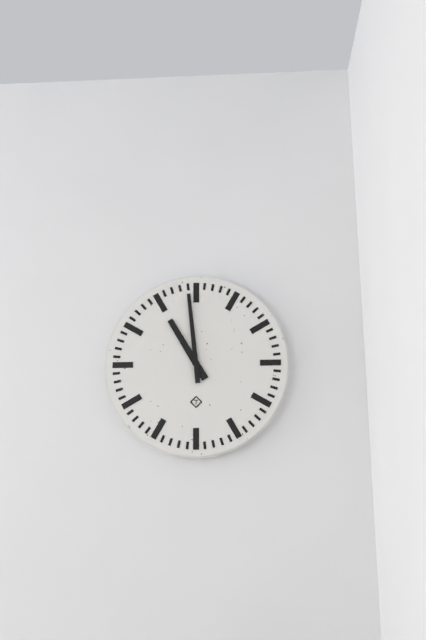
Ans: 10:59
